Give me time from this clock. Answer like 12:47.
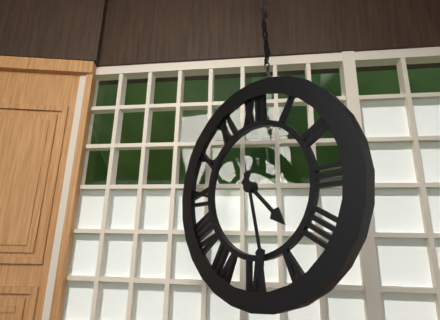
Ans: 4:28
